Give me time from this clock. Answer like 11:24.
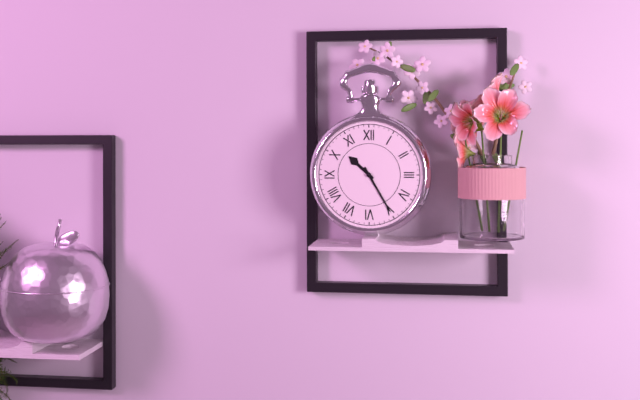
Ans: 10:25
